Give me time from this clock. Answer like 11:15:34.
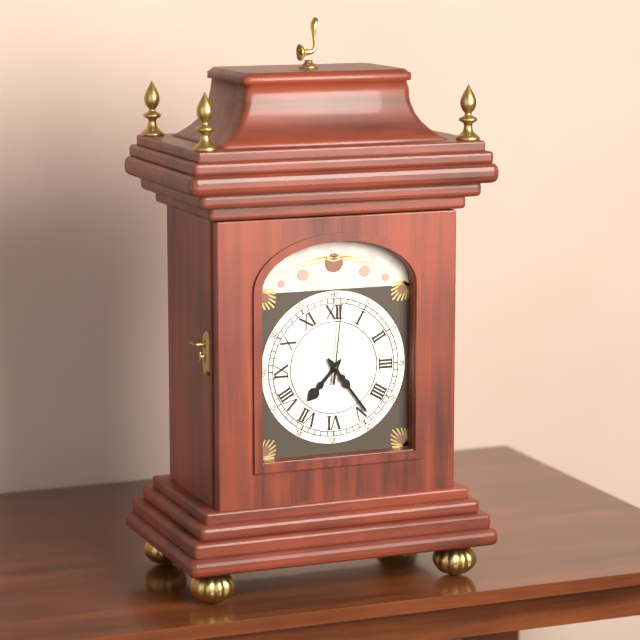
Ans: 7:24:01
